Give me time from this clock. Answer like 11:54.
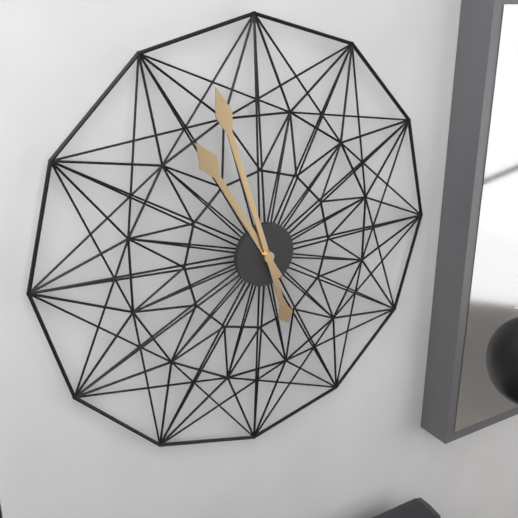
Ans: 10:57
